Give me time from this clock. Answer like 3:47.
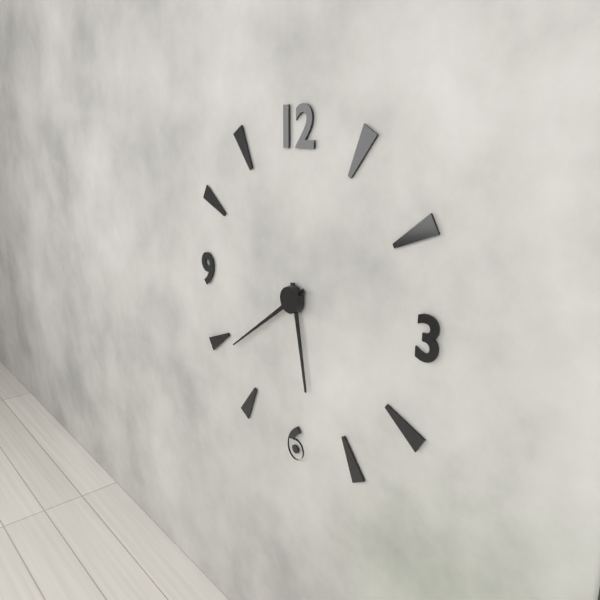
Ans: 5:39
